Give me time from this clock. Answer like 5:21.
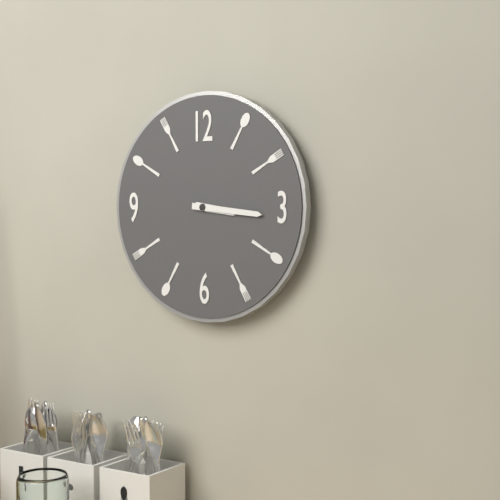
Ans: 3:16
